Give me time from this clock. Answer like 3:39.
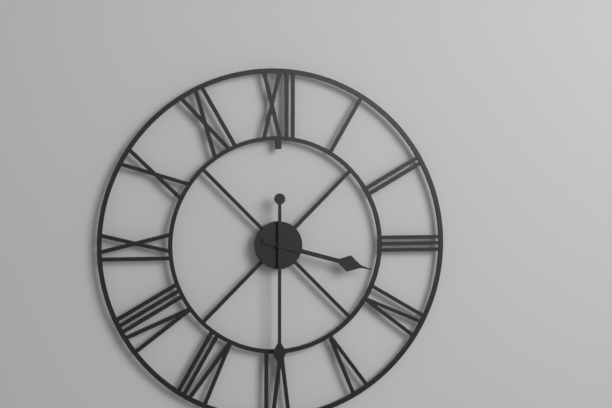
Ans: 3:30
